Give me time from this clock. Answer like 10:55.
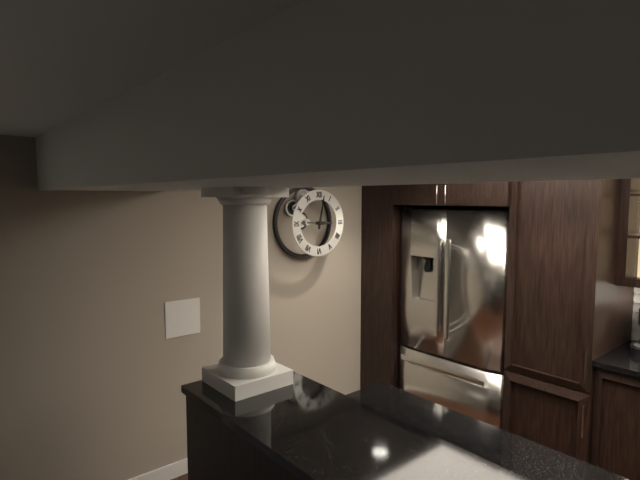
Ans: 3:02
